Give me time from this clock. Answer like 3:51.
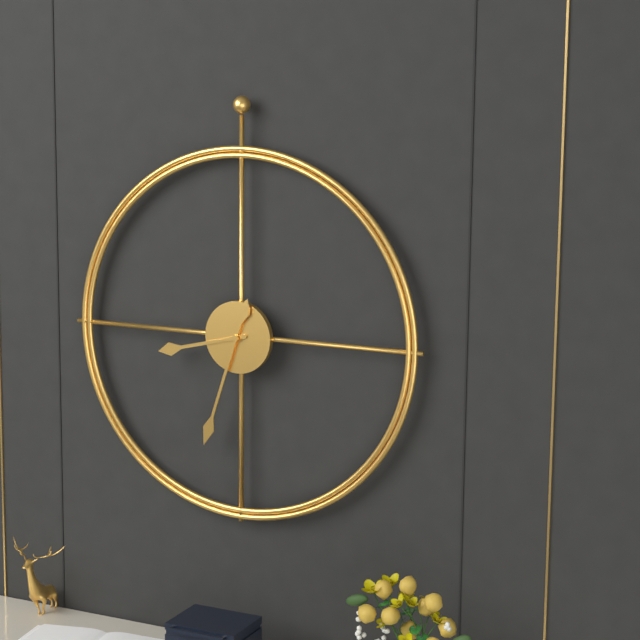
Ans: 8:33
